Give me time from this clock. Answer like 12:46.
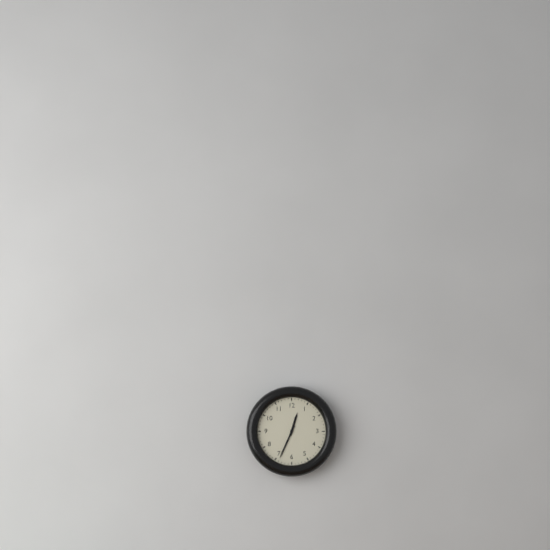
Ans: 12:34
